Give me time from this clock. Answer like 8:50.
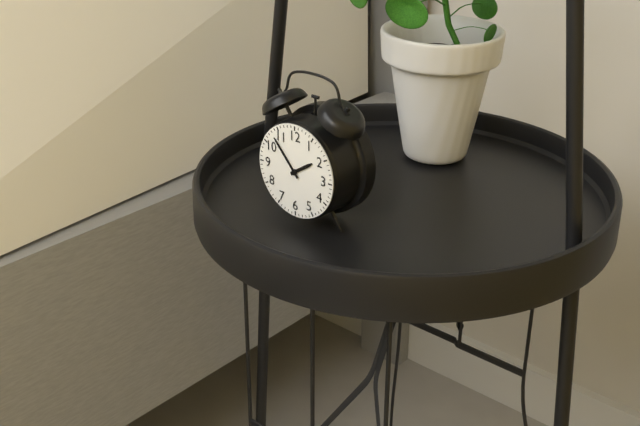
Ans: 1:53
